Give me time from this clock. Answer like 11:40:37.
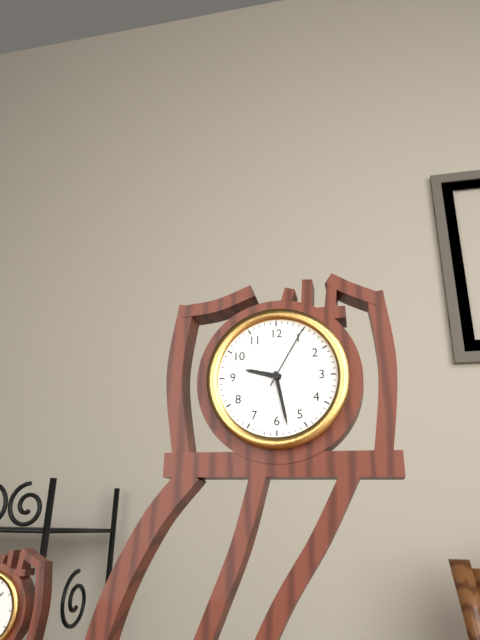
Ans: 9:28:05
